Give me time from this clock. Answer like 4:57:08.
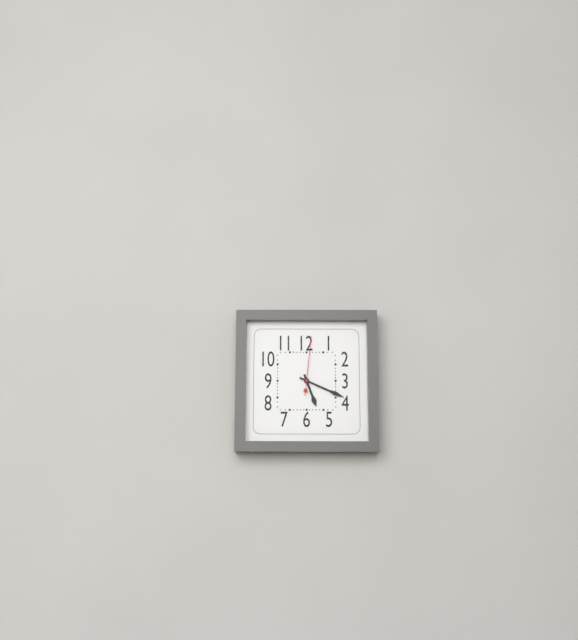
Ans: 5:19:01
